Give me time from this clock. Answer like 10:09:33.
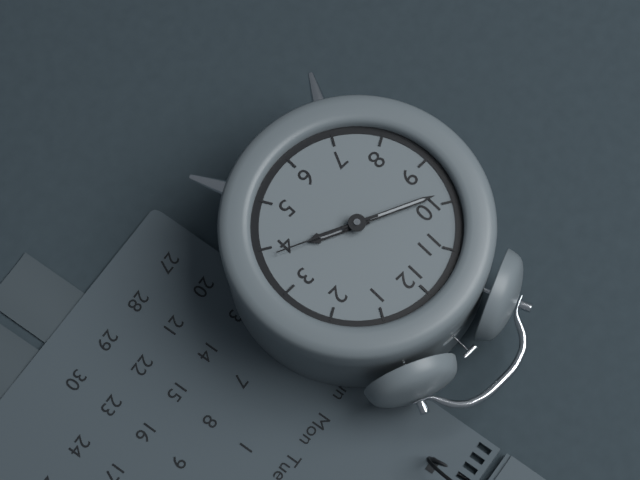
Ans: 3:49:19
